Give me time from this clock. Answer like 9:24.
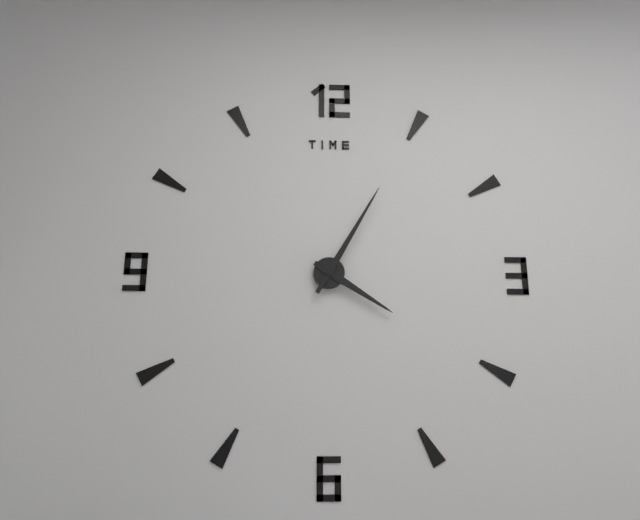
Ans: 4:05
